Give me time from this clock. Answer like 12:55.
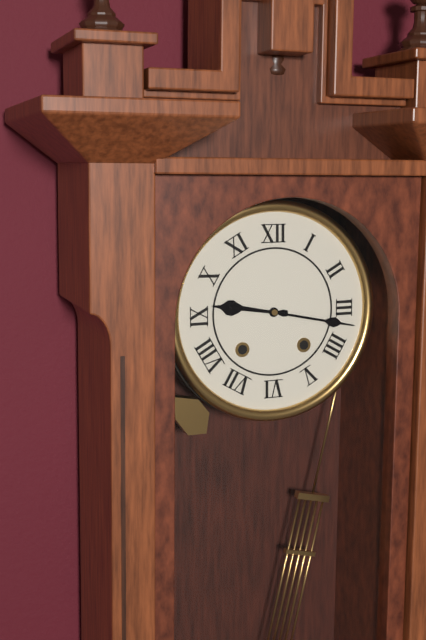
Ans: 9:17
